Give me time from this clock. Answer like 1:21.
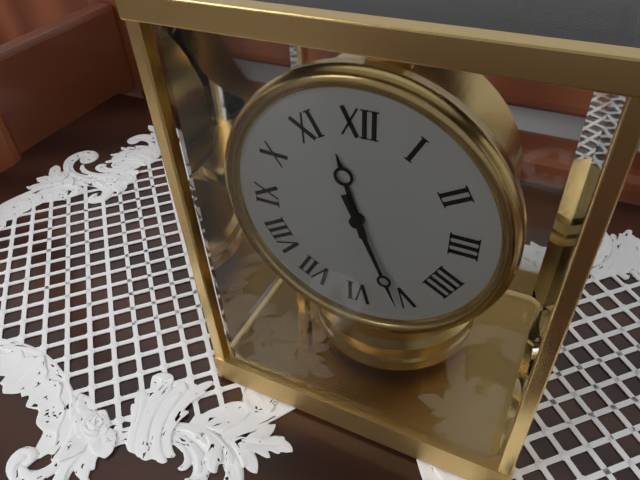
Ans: 11:26
